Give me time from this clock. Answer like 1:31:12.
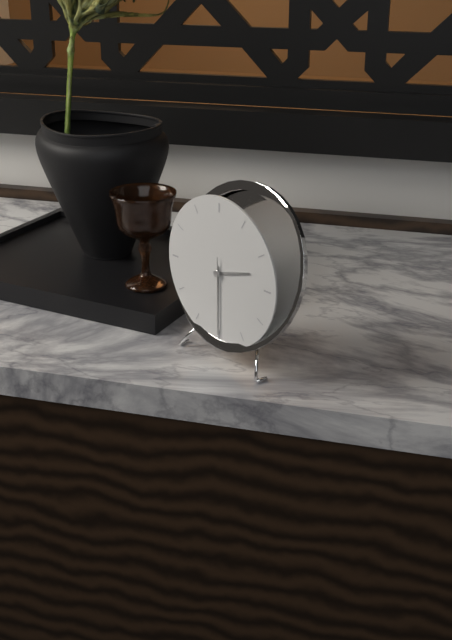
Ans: 2:30:30
